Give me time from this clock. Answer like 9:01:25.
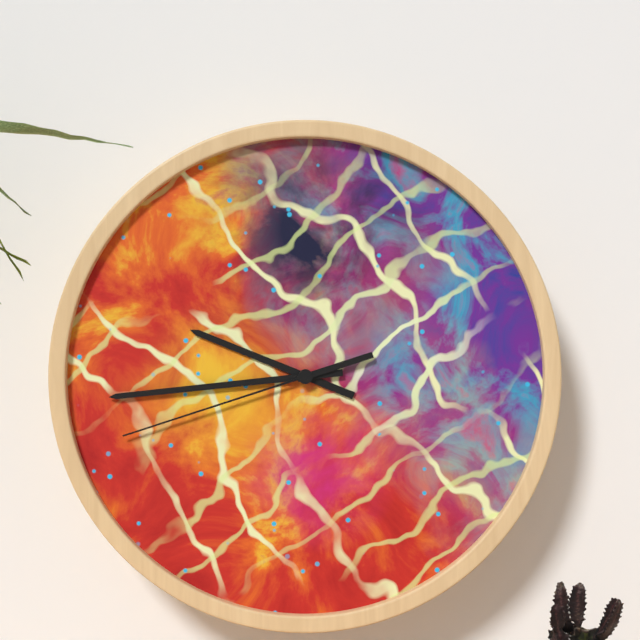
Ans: 9:44:42
